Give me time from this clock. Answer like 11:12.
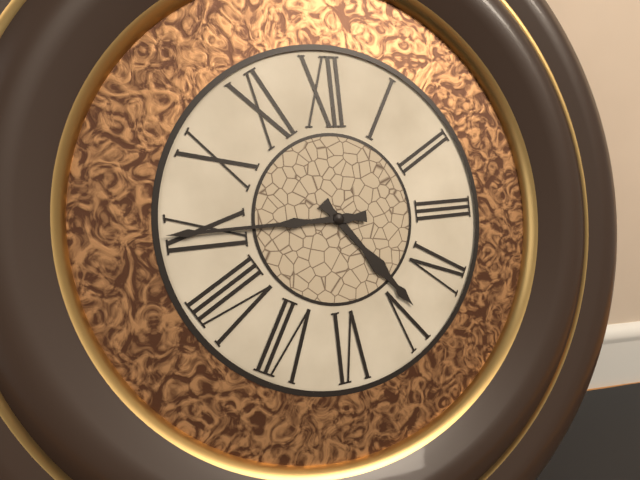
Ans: 4:45
